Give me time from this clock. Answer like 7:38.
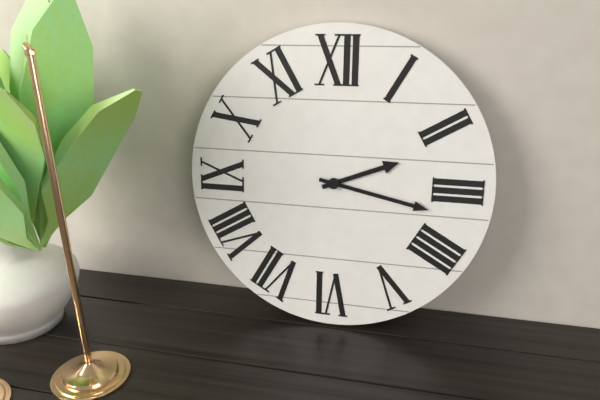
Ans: 2:17
